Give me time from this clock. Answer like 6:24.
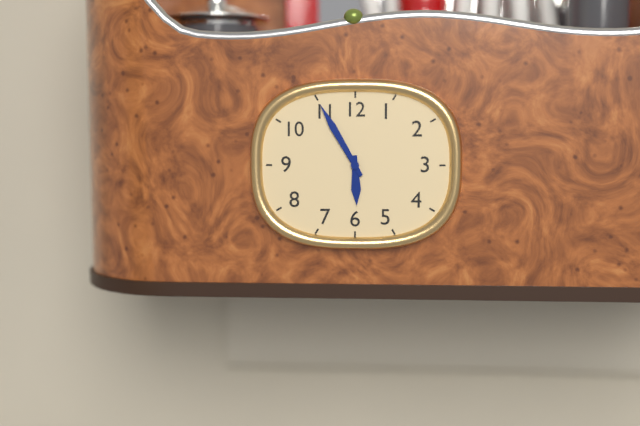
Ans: 5:55
